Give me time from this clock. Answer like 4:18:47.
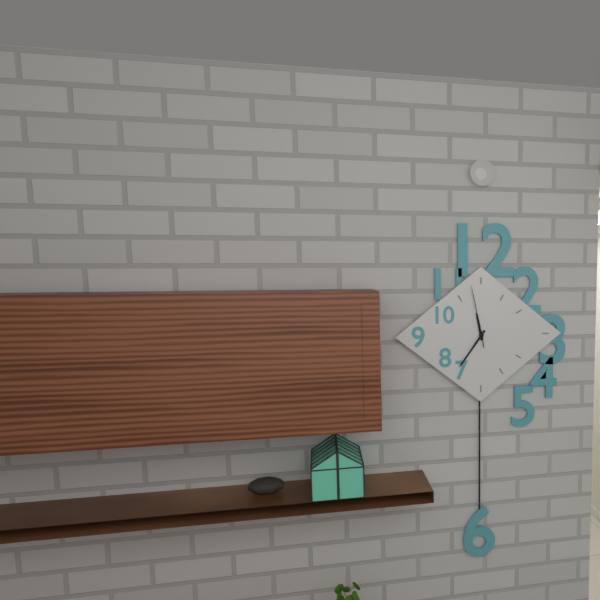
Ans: 11:36:58
